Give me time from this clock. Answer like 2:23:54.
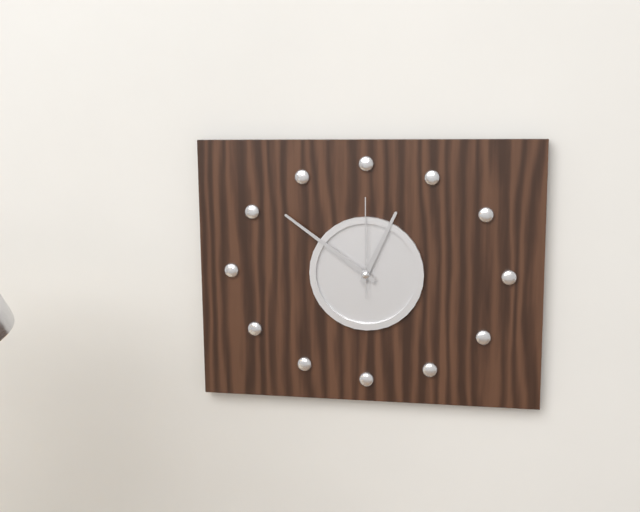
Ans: 12:51:00
